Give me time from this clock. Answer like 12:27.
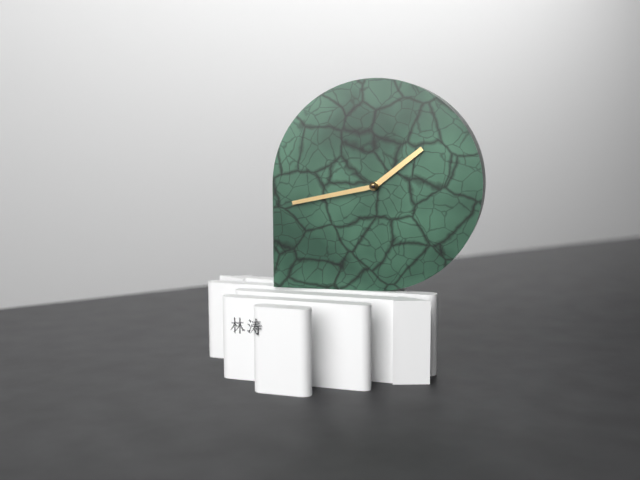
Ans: 1:43
